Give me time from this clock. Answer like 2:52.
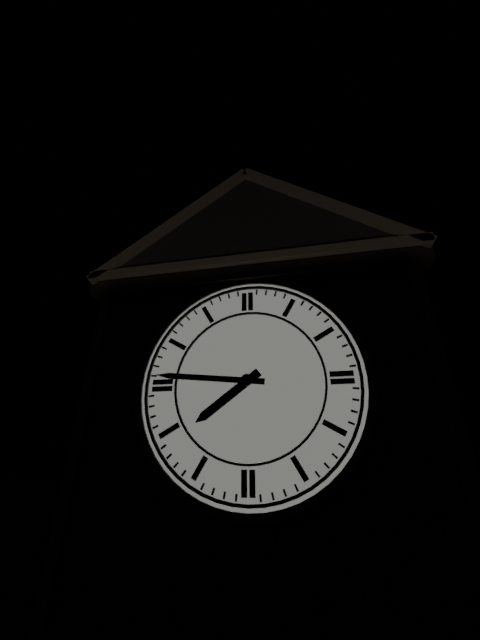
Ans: 7:46
